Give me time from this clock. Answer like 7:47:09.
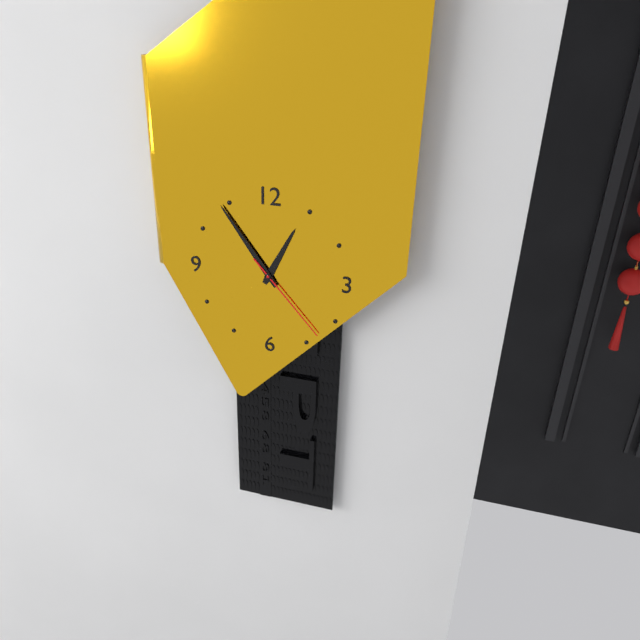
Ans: 12:54:23
